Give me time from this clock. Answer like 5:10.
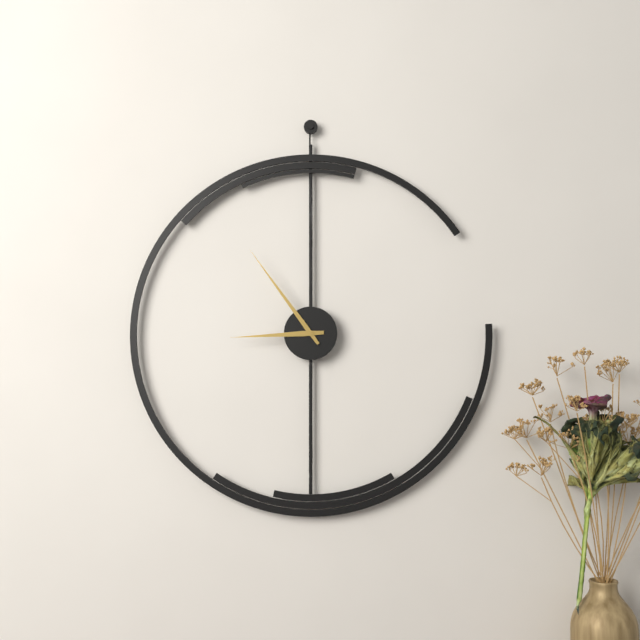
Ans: 8:54
